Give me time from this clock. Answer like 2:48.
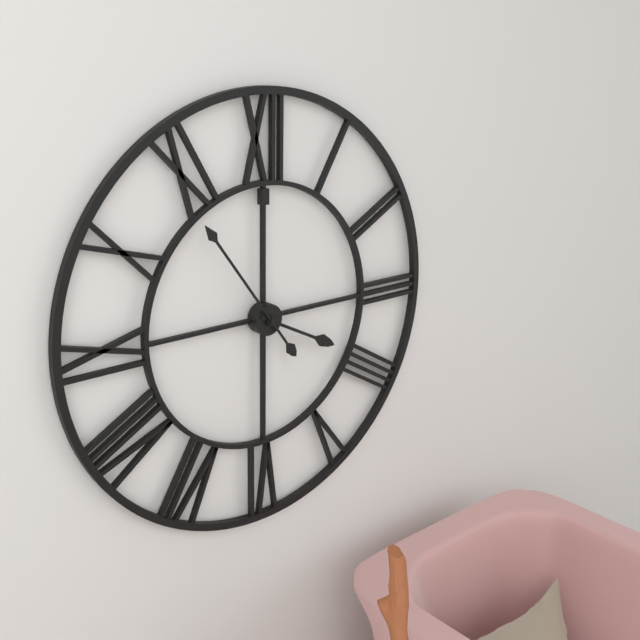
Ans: 3:54
